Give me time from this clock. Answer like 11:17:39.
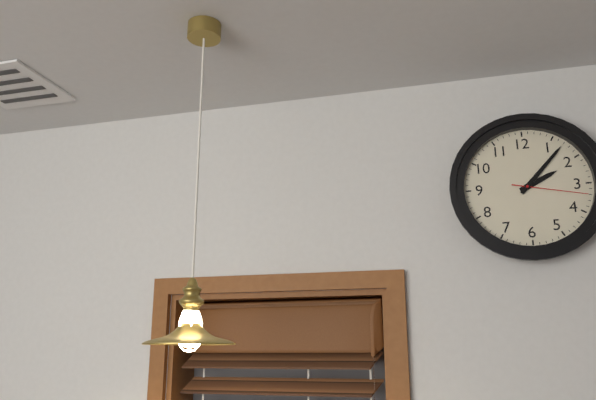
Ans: 2:07:17
